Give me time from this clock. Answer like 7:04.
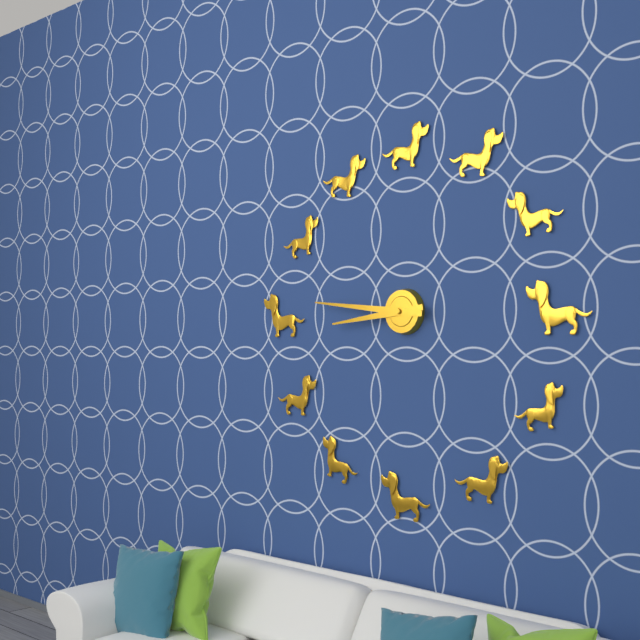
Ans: 8:46
